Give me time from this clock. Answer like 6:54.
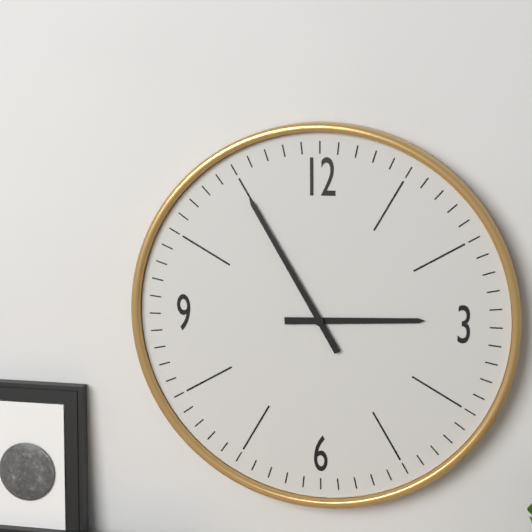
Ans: 2:55
